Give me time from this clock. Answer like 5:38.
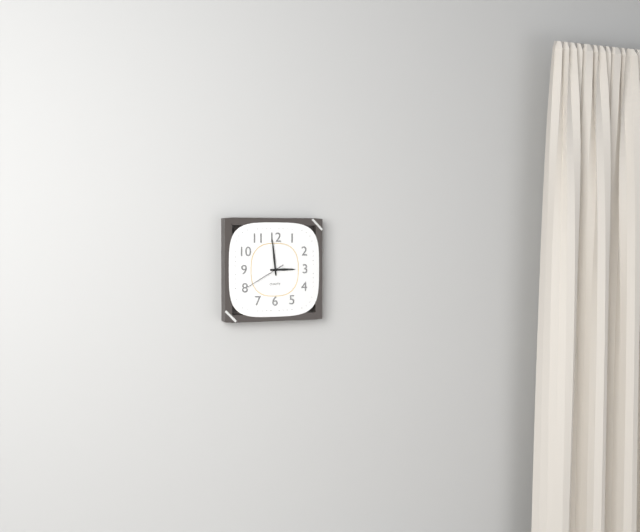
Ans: 2:59
